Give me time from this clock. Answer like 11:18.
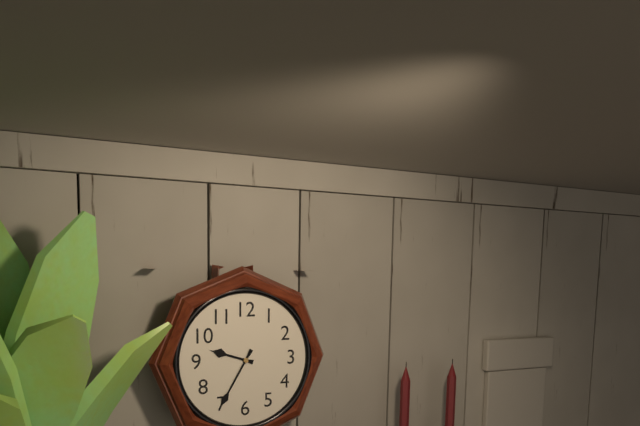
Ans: 9:35
